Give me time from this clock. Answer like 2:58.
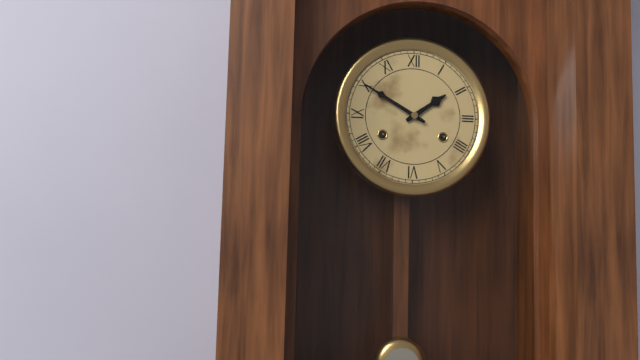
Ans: 1:50
